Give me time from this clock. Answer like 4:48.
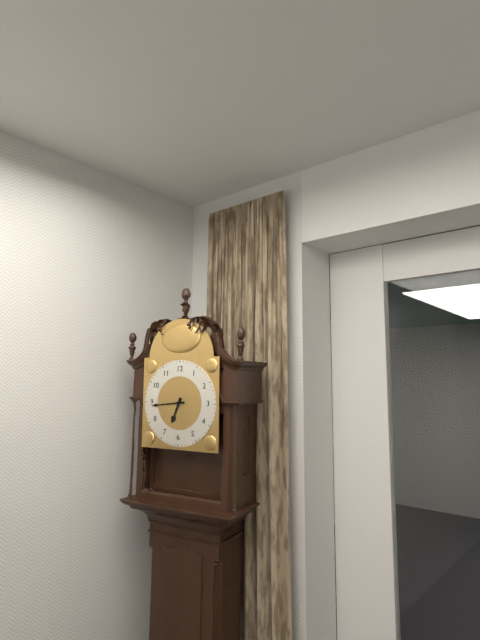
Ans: 6:44
